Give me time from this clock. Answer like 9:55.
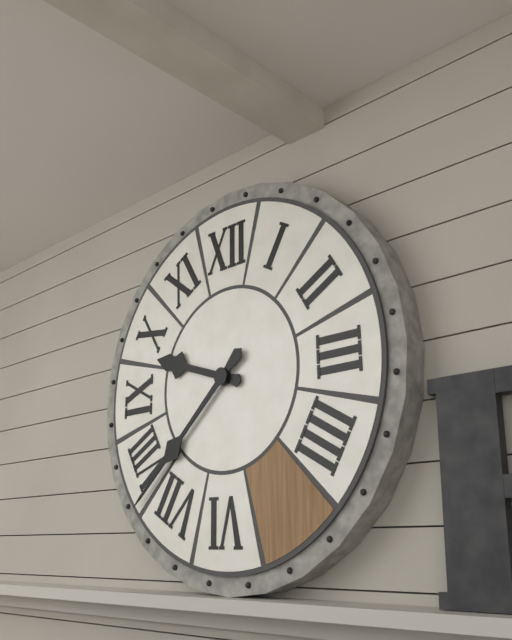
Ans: 9:38
